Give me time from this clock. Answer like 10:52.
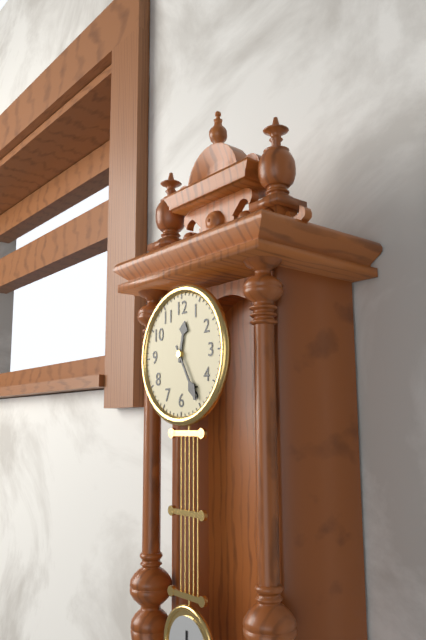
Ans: 12:25
